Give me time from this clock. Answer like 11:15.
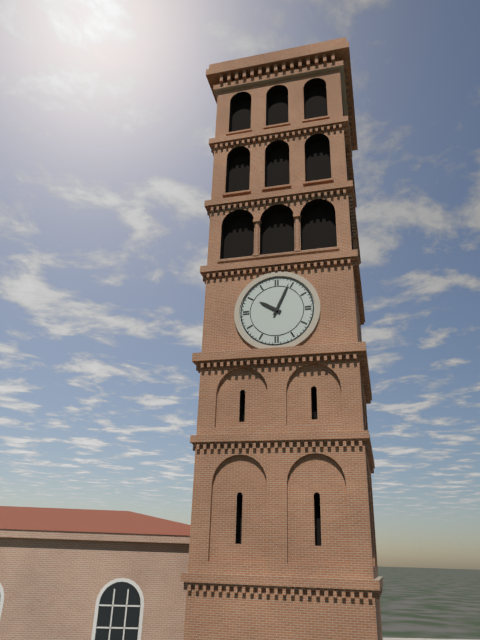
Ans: 10:04
